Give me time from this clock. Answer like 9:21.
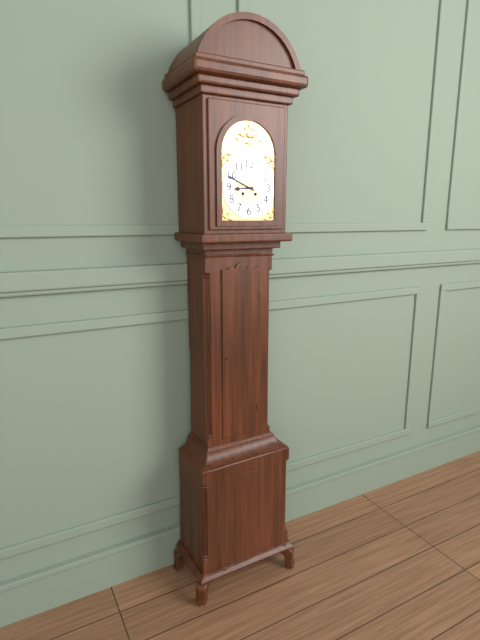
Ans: 8:49
